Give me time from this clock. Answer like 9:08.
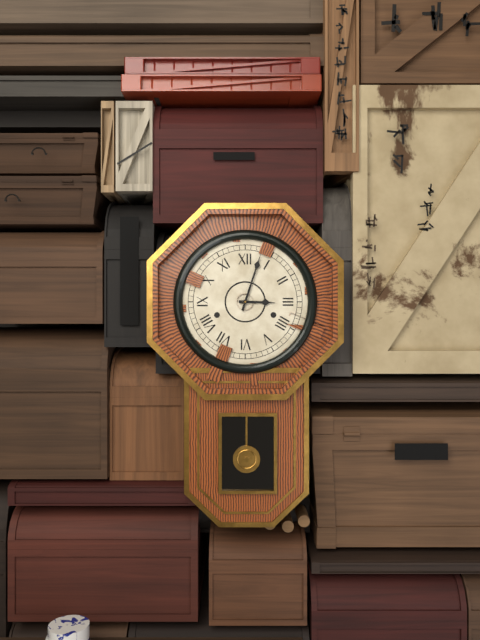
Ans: 3:03
